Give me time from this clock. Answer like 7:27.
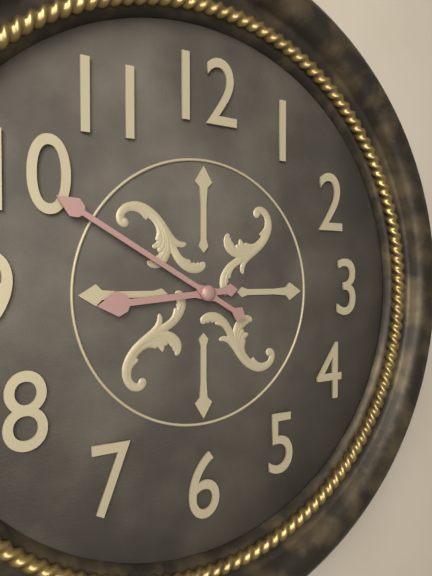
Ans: 8:50
